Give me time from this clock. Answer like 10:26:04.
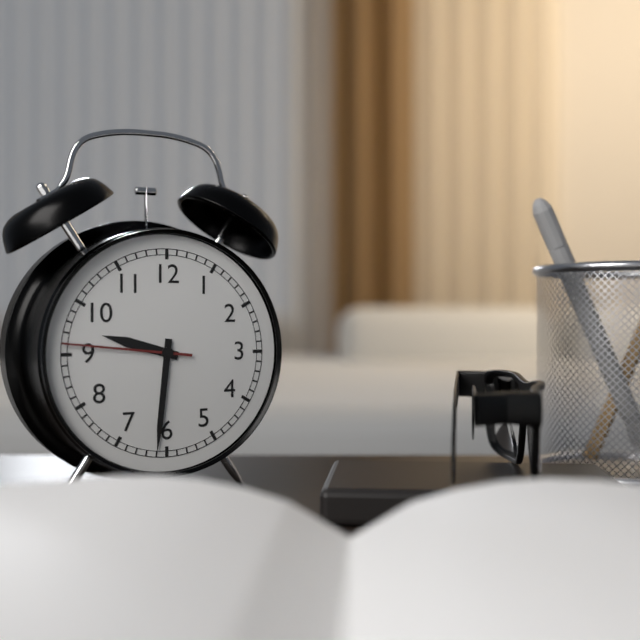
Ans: 9:31:46
